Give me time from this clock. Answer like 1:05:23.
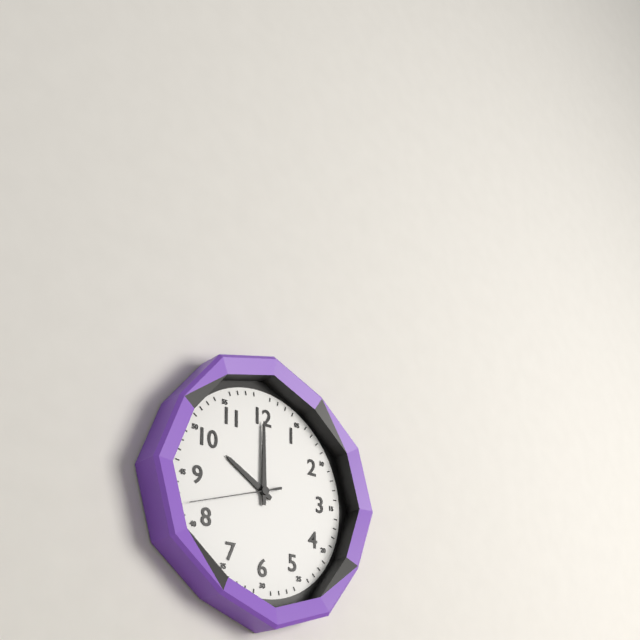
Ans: 10:00:42
